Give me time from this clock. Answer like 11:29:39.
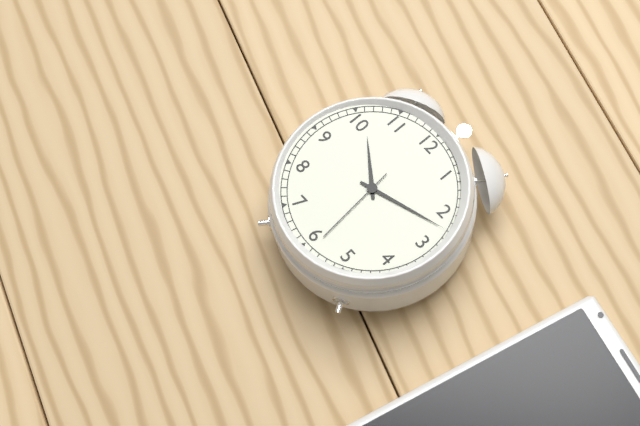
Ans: 10:12:29
